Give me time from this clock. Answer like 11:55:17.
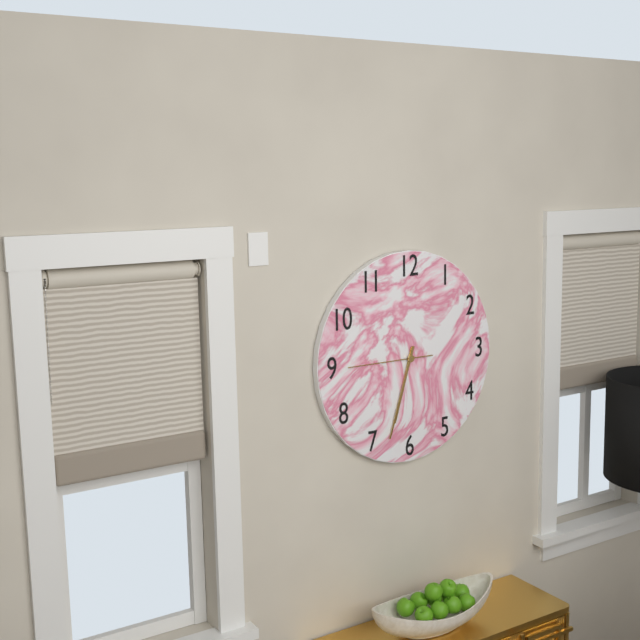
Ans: 6:33:45
